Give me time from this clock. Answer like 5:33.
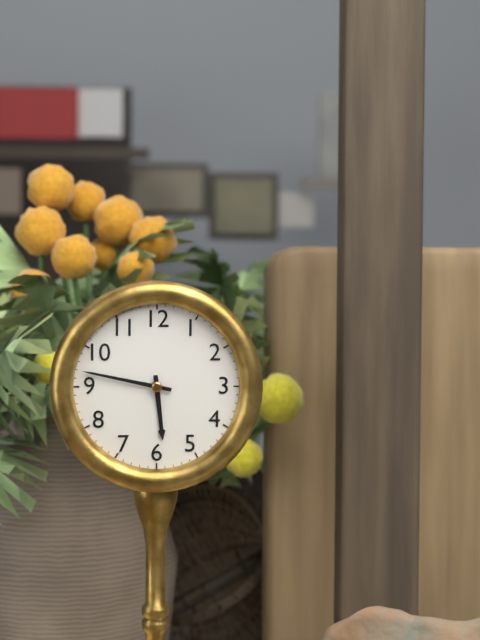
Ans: 5:47
